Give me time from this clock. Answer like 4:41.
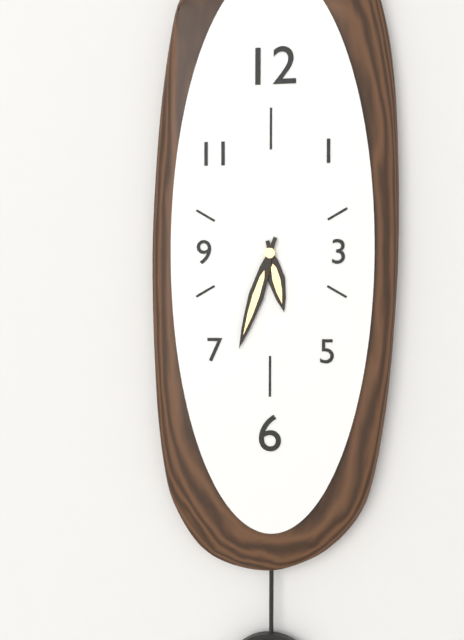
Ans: 5:33
